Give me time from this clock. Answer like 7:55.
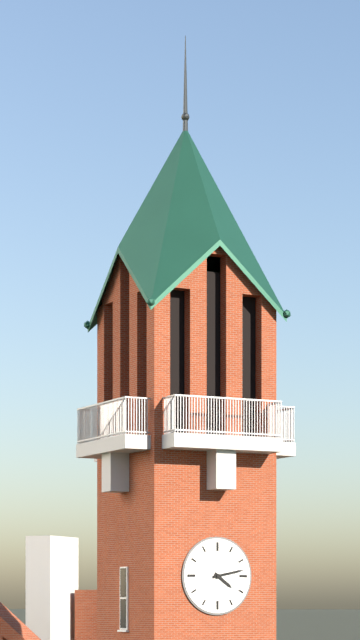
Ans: 4:13
